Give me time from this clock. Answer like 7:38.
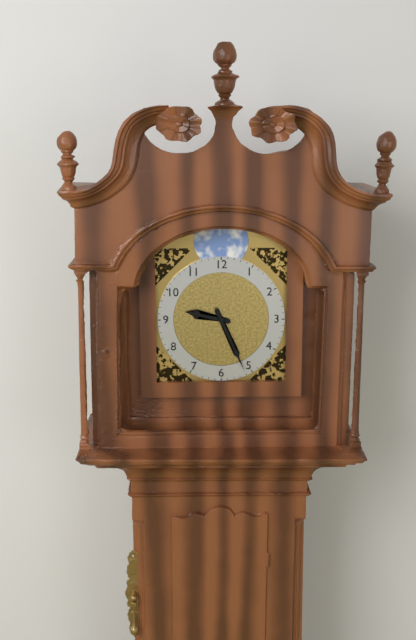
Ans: 9:26
